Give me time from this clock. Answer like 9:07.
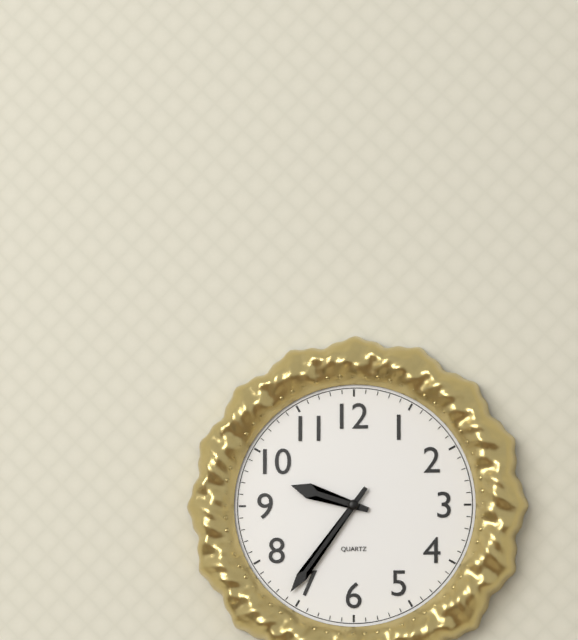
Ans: 9:36
